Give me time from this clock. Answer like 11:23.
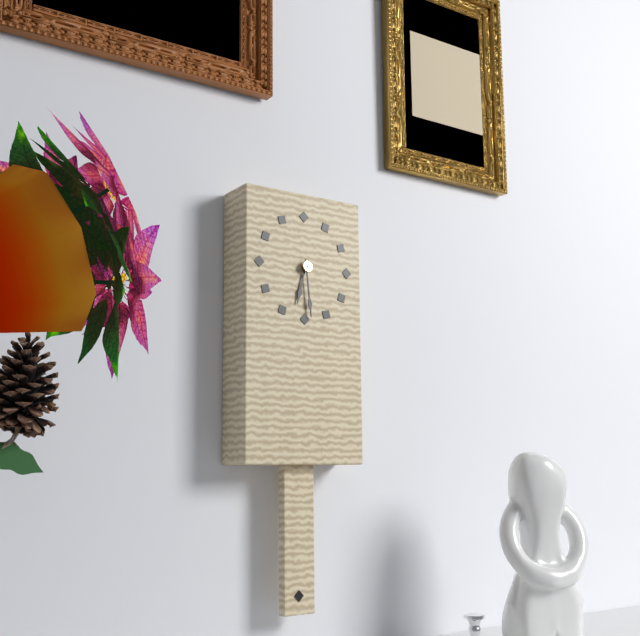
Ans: 6:29
